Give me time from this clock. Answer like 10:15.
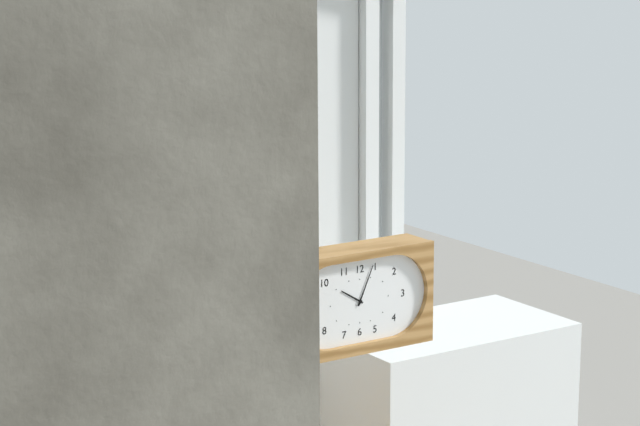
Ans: 10:04
